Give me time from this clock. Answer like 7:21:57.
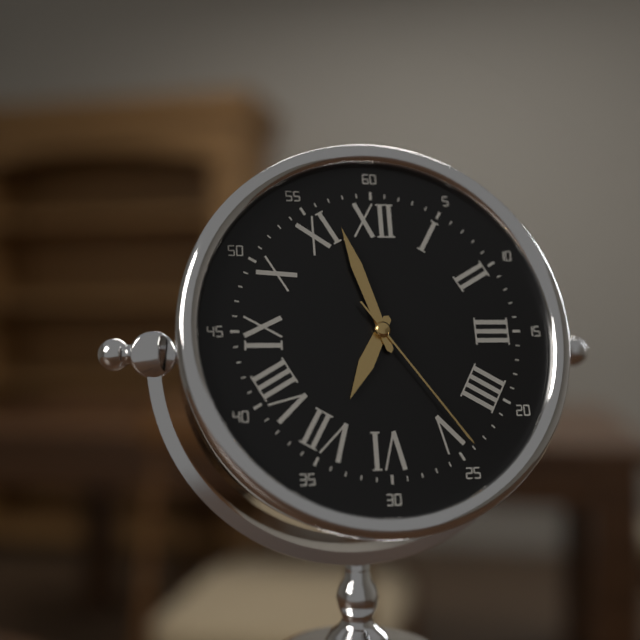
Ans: 6:57:24
